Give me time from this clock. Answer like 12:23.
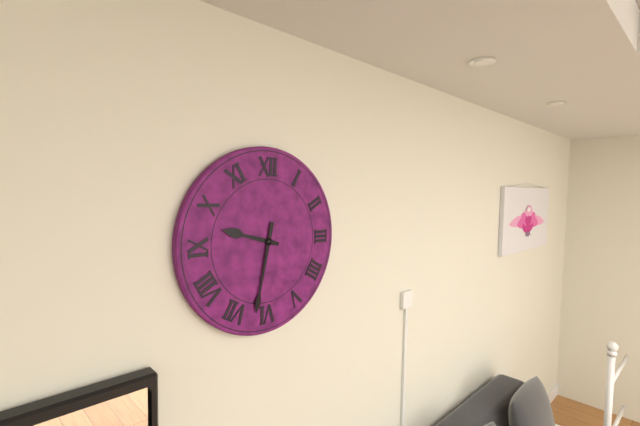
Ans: 9:32
